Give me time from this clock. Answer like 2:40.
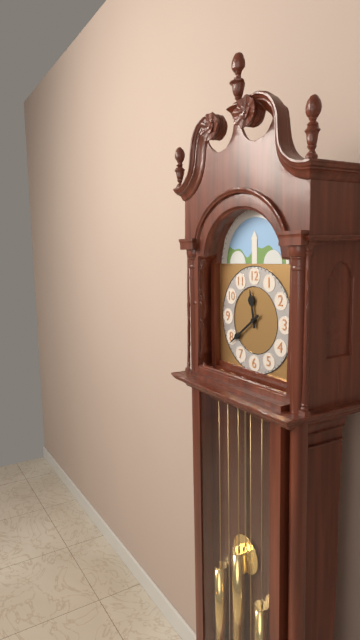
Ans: 11:39
